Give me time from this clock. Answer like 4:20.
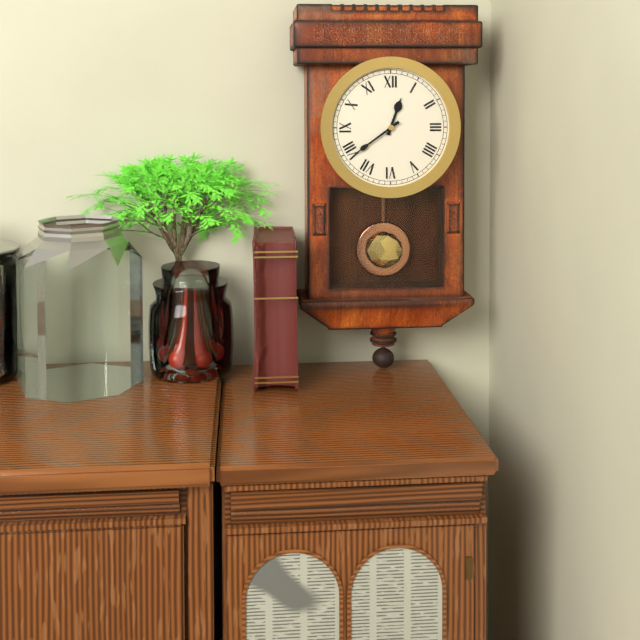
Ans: 12:39
